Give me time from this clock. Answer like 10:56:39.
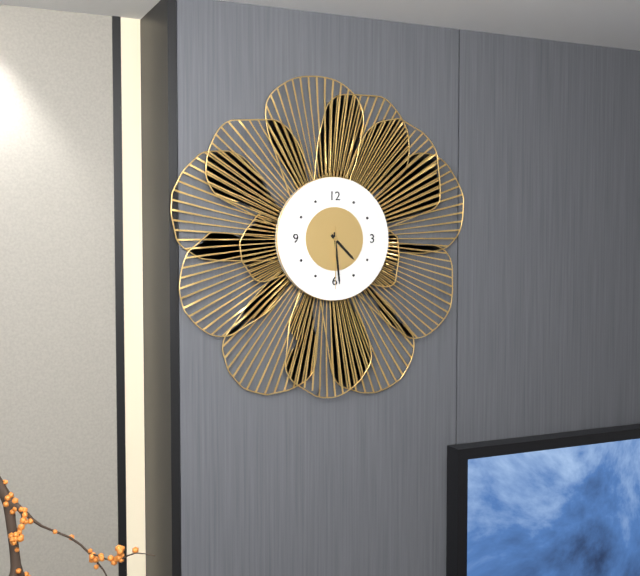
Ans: 4:29:30
